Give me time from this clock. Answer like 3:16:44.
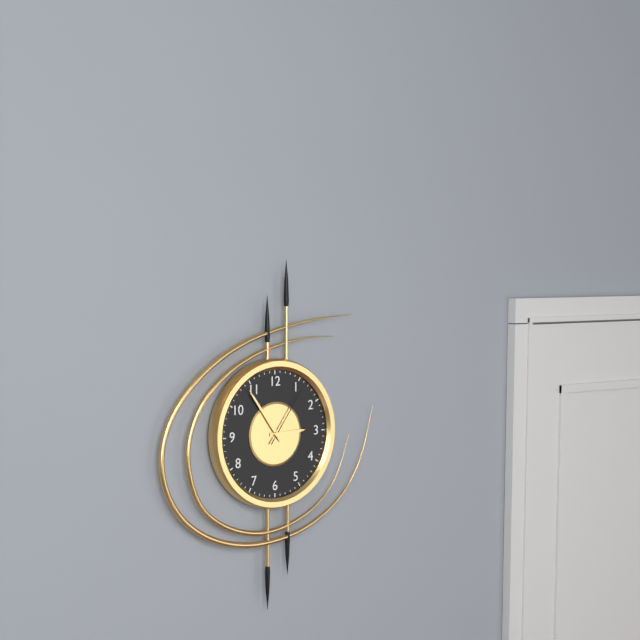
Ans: 2:54:06
